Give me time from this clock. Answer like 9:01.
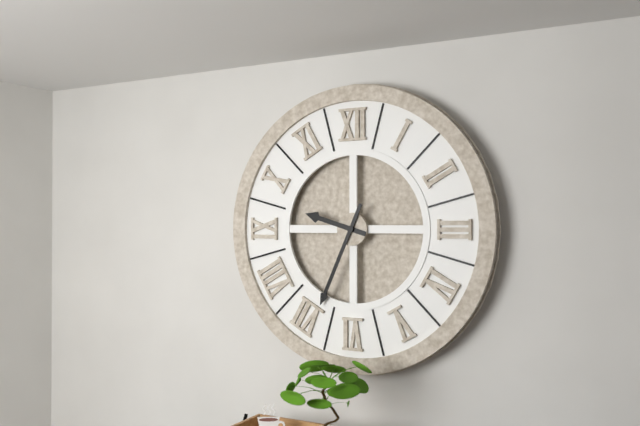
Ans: 9:34
